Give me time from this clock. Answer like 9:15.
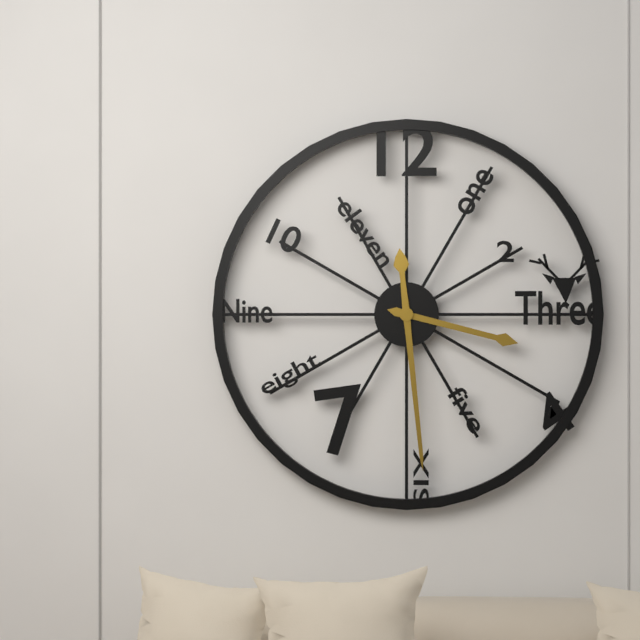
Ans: 3:29
